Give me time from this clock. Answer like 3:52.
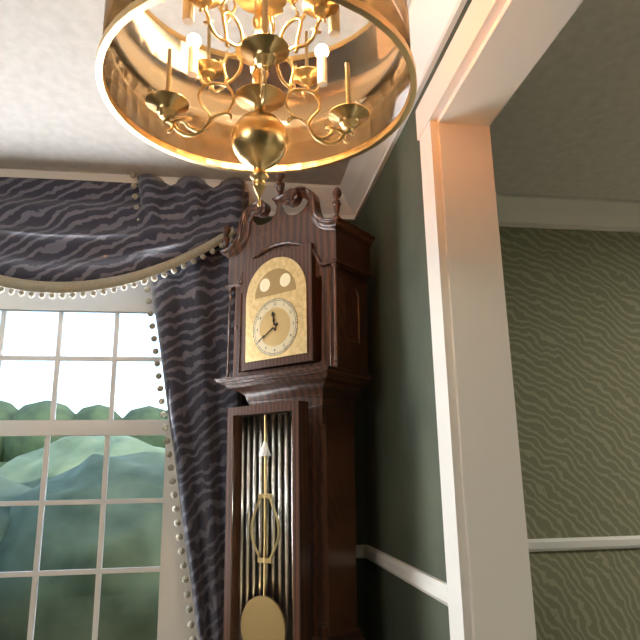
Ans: 11:40
